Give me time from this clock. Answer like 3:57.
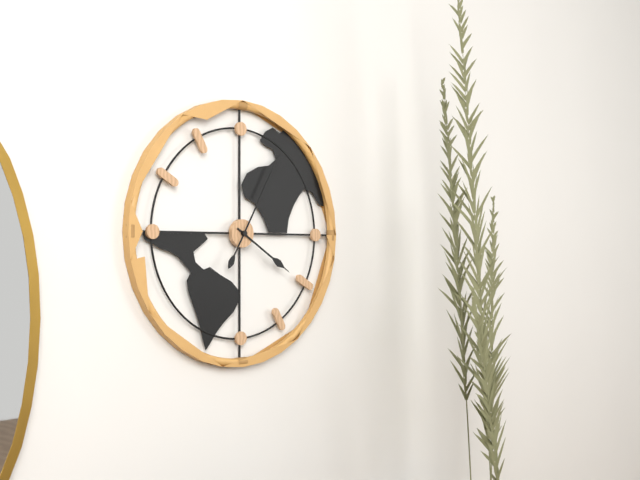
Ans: 4:05
